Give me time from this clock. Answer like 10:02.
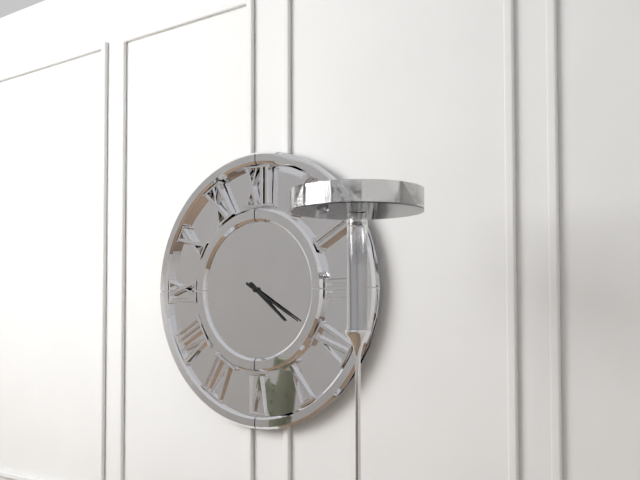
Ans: 4:20
